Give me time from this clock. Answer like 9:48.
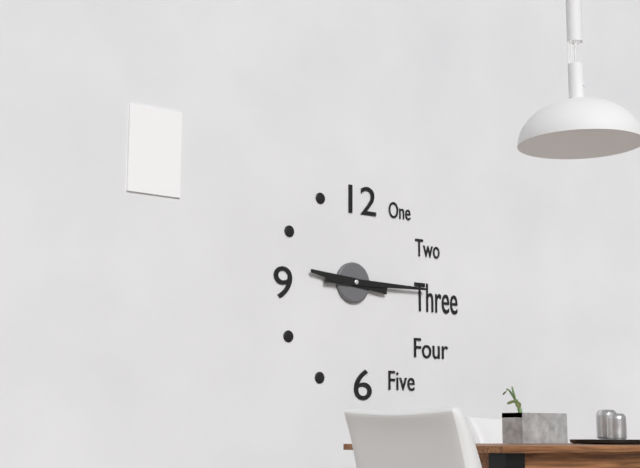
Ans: 9:15
